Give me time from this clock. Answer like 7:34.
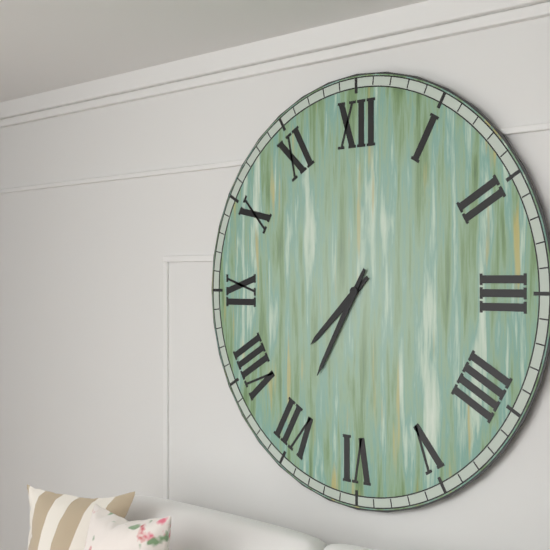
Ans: 7:35
